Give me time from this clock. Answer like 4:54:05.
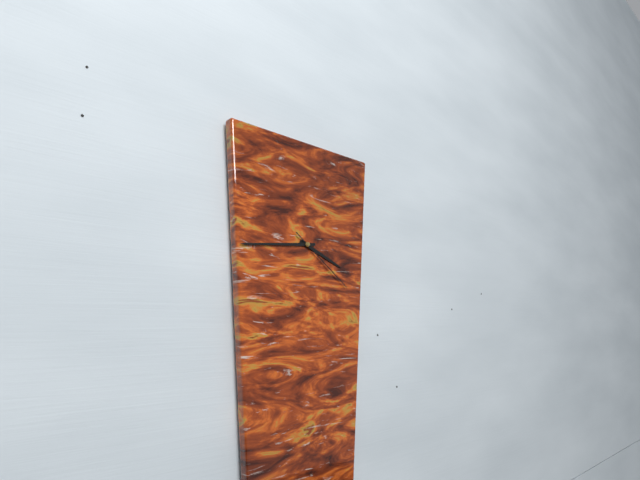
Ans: 3:44:21
